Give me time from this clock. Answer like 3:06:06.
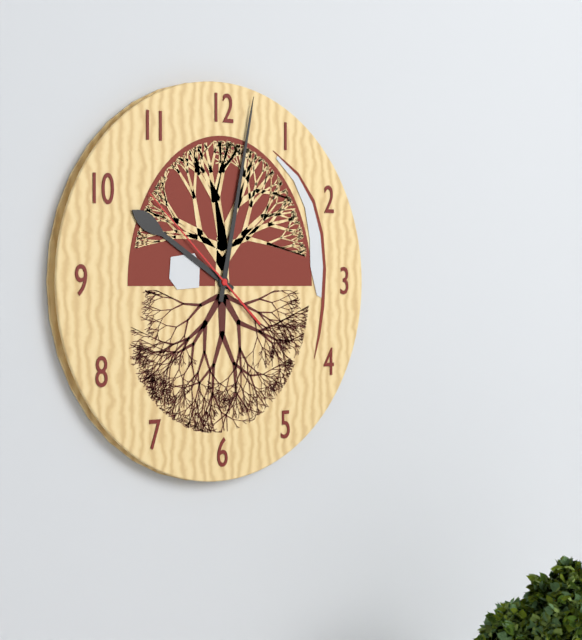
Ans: 10:02:52
